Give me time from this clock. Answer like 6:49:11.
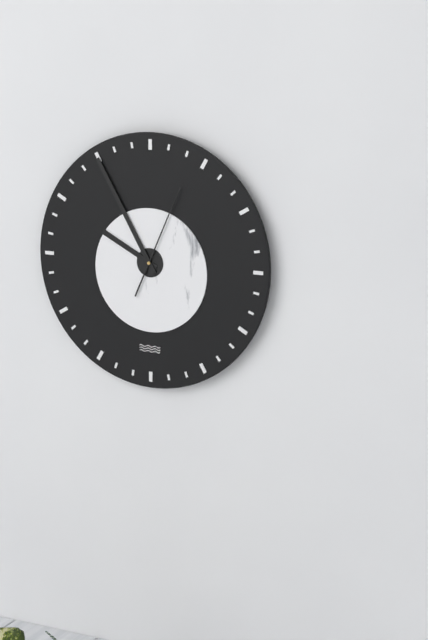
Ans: 9:55:04
